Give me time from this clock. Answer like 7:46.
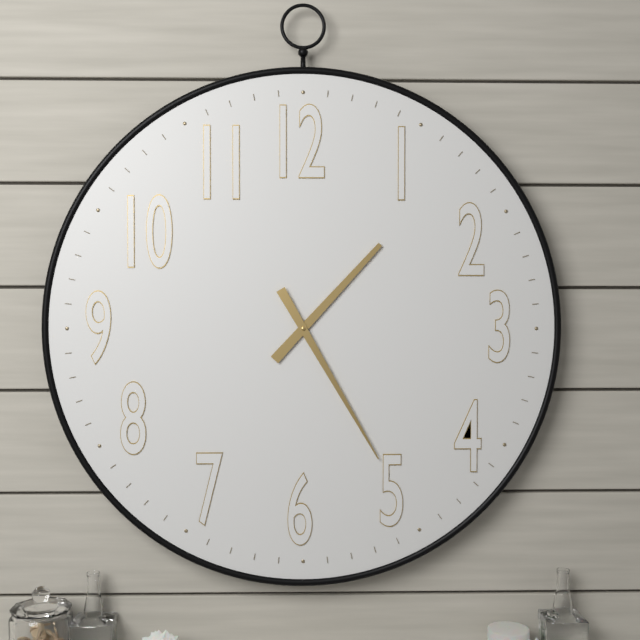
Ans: 1:25
